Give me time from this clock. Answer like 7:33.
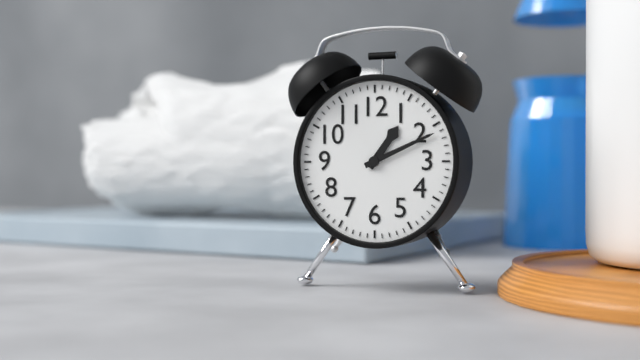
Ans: 1:11
